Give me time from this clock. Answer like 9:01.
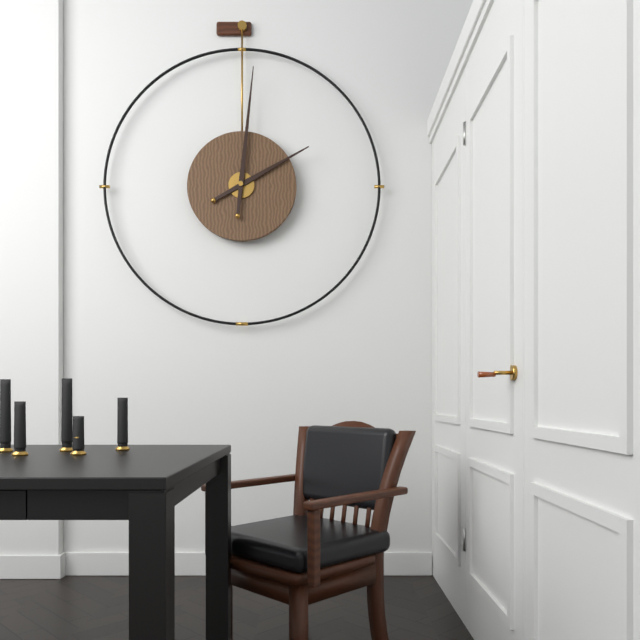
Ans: 2:01
